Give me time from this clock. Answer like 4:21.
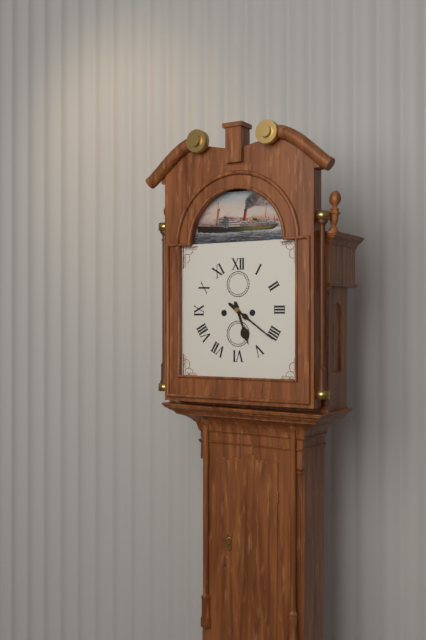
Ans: 5:21
